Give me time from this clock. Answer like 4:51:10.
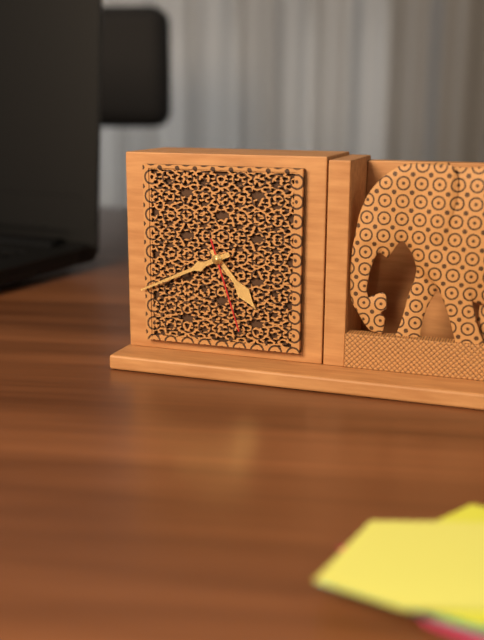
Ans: 4:41:27
